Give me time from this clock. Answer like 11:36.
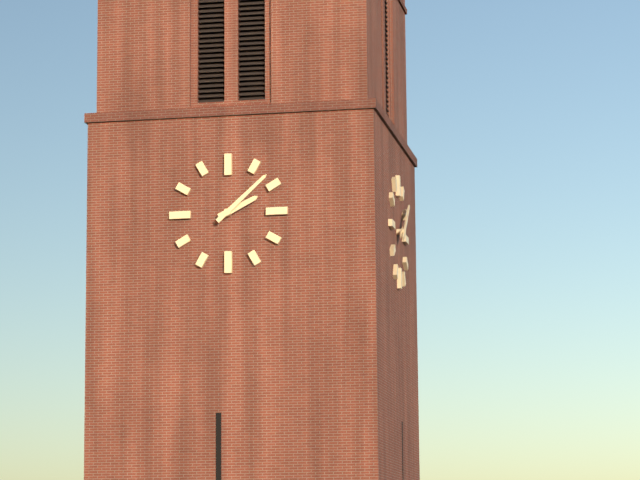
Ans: 2:08
